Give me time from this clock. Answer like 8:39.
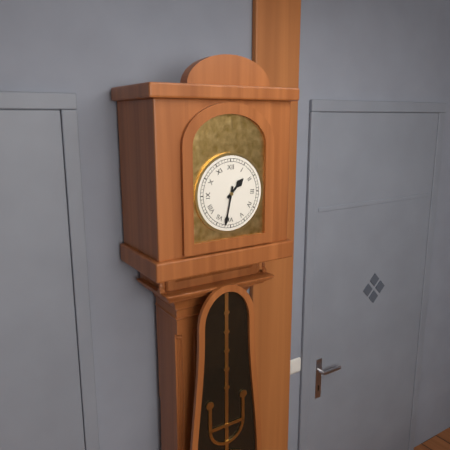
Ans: 1:32
